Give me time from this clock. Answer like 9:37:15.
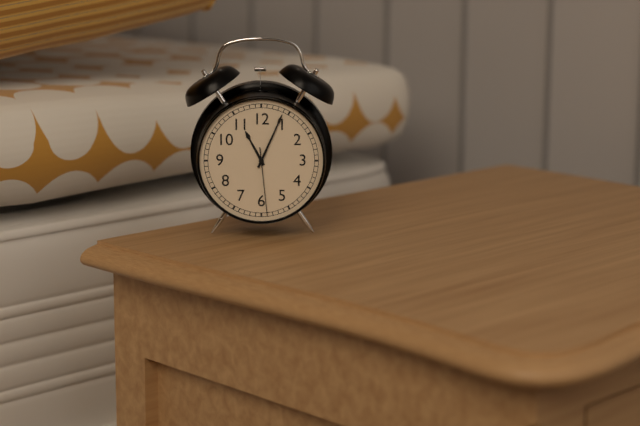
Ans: 11:04:29
